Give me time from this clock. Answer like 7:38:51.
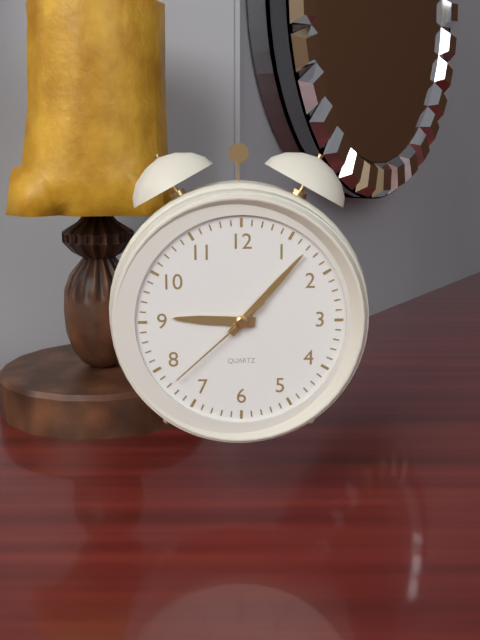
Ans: 9:07:38
